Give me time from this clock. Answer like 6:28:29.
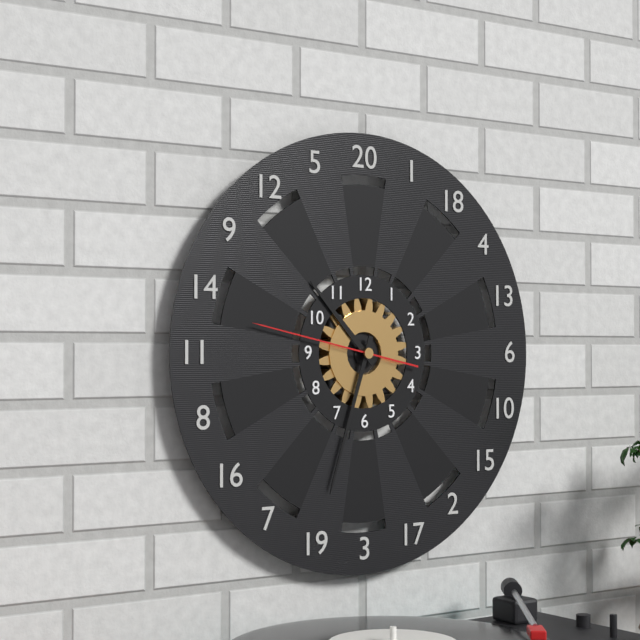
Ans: 10:33:47
